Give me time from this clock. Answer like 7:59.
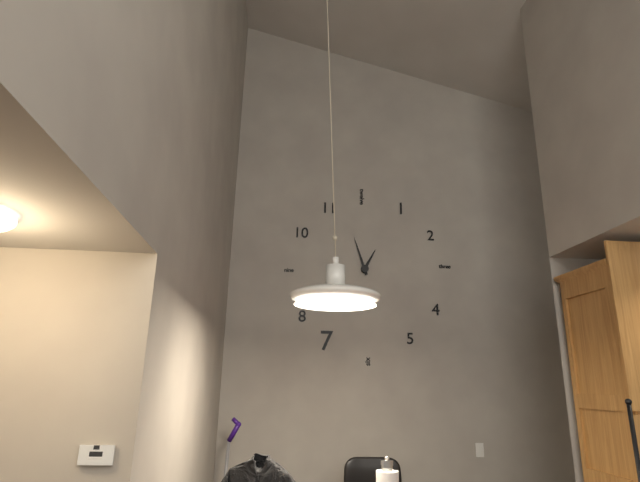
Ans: 12:57
